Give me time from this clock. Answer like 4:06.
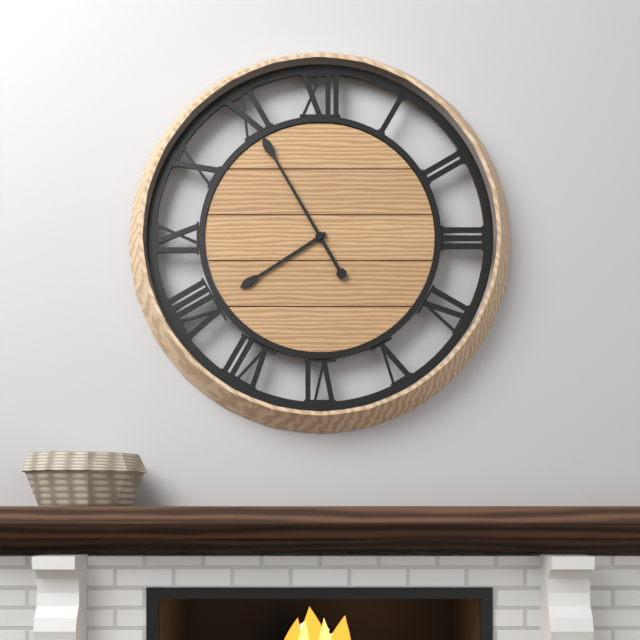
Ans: 7:55
